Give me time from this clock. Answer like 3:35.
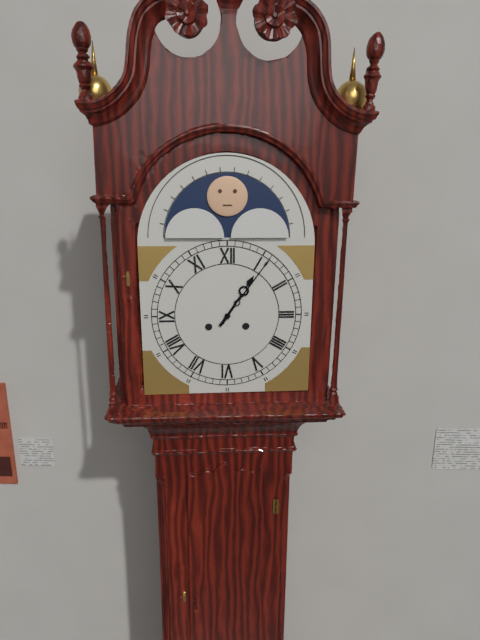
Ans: 1:06
